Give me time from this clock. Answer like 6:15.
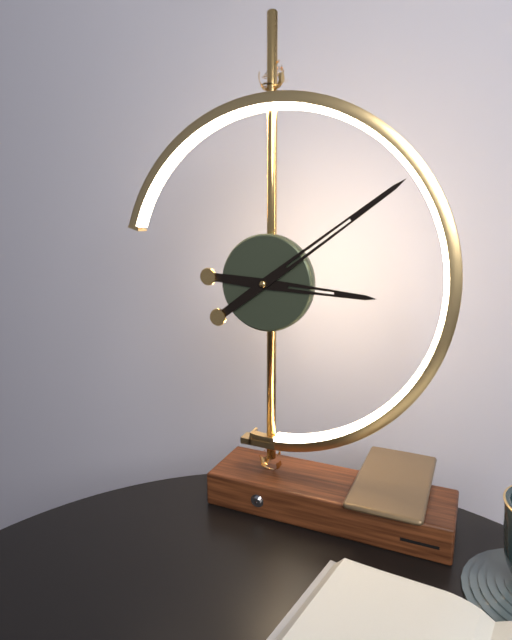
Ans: 3:09
